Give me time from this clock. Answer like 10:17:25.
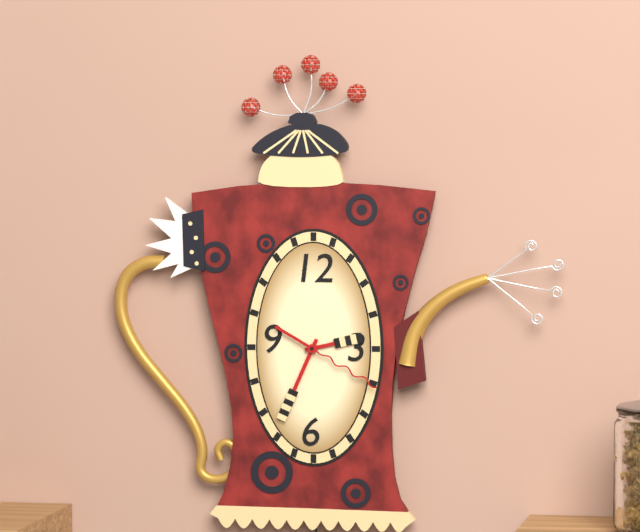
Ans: 2:34:20
